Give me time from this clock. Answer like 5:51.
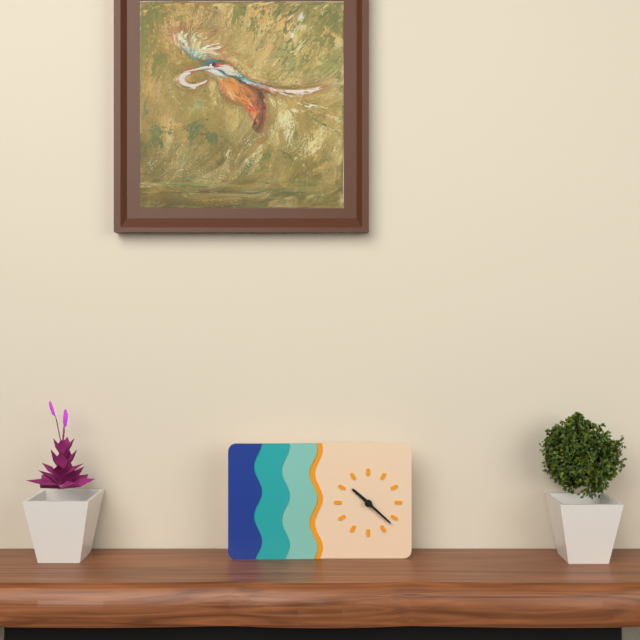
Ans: 10:22
